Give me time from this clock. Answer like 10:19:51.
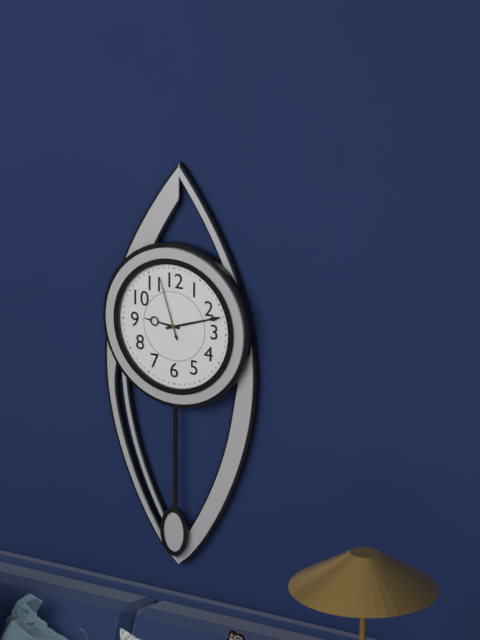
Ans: 9:12:57
